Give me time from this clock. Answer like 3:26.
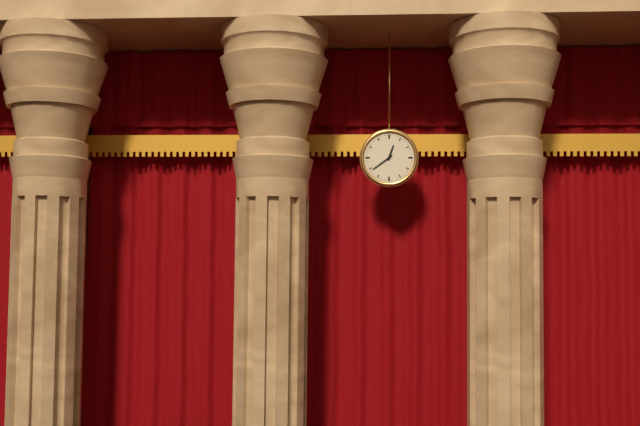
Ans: 12:39
